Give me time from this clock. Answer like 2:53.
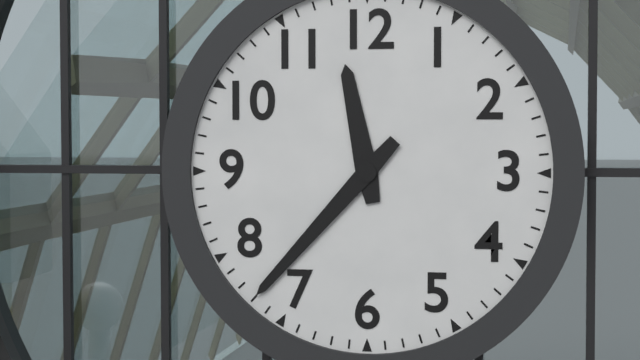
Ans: 11:37
